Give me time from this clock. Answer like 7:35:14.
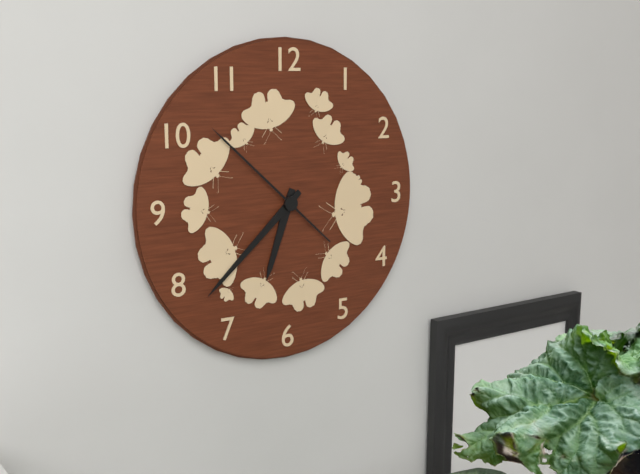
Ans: 6:38:52
